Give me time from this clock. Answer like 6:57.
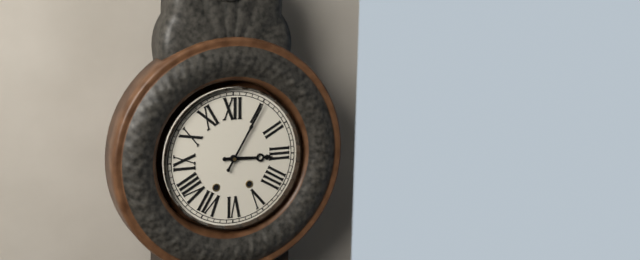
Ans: 3:05
